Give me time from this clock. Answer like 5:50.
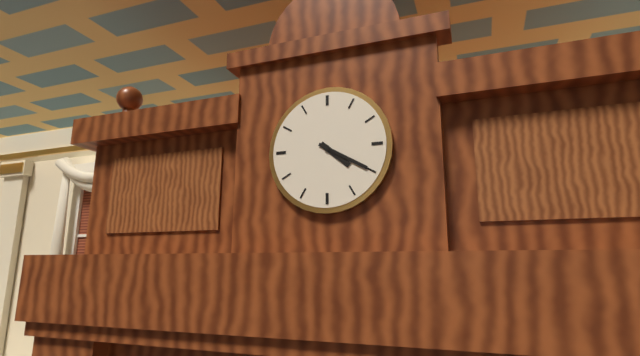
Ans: 4:20
